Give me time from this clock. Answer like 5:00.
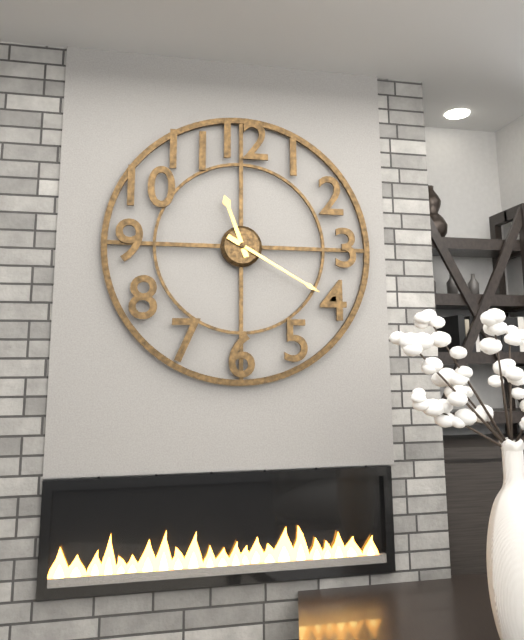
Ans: 11:20
